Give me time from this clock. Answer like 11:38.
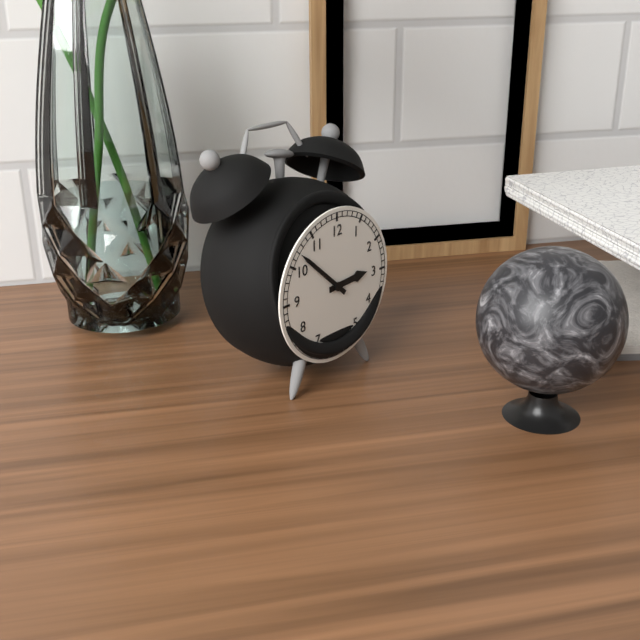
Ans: 2:52
